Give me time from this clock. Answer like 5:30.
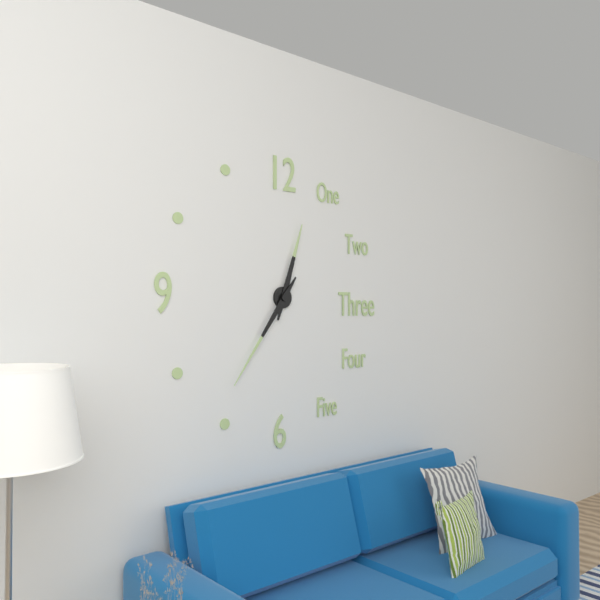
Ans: 12:36
